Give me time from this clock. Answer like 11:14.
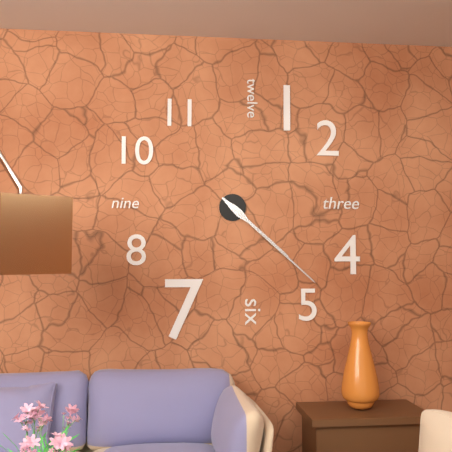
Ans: 4:22
